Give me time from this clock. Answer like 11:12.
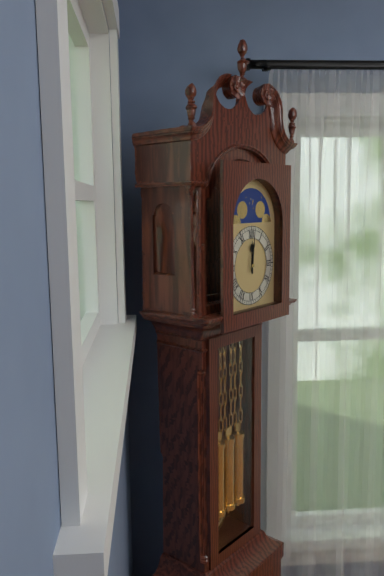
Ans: 12:01
